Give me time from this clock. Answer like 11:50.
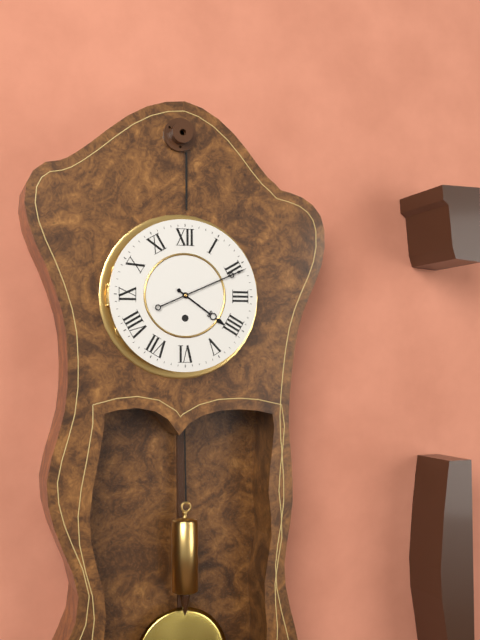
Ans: 4:11
